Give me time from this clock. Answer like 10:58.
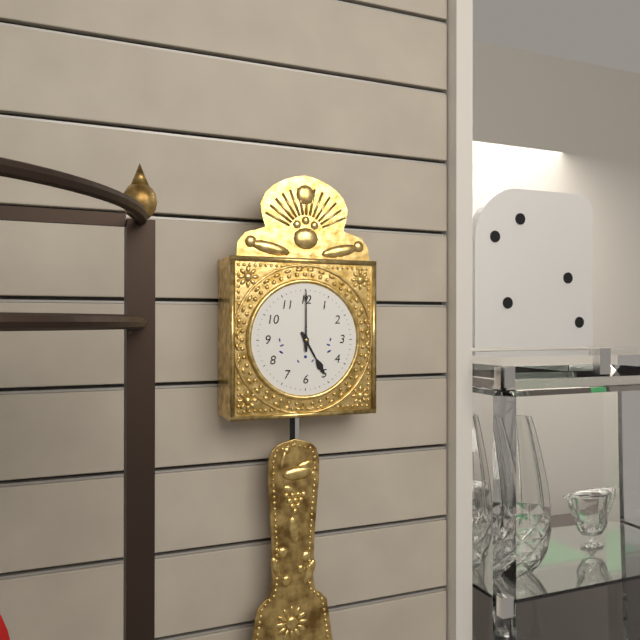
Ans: 5:00
